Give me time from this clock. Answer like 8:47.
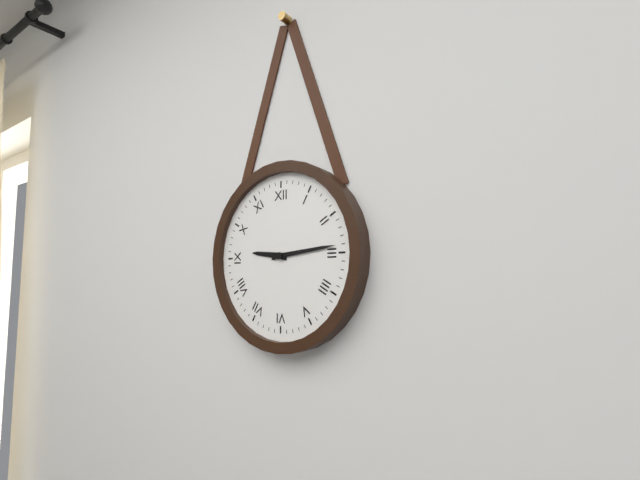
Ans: 9:14
